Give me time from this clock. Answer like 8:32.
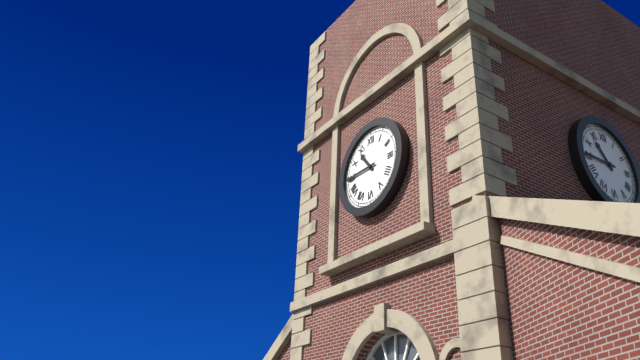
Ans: 10:45
